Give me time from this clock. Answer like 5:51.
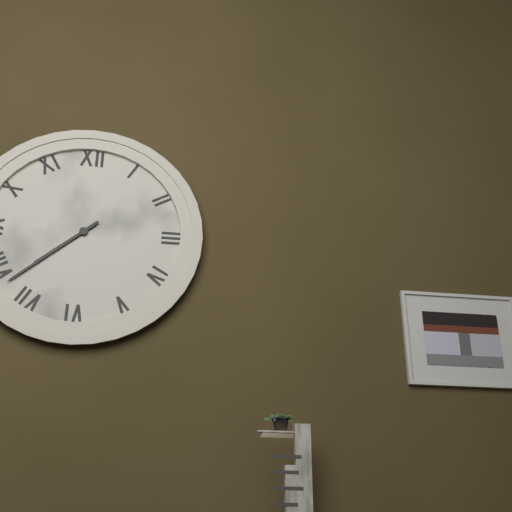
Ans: 7:38
